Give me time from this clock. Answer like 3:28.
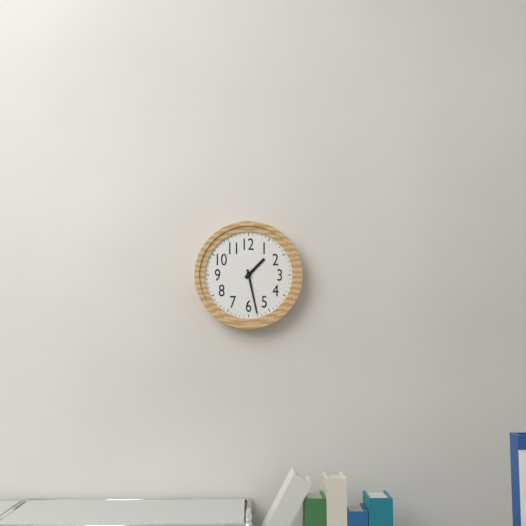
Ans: 1:28
